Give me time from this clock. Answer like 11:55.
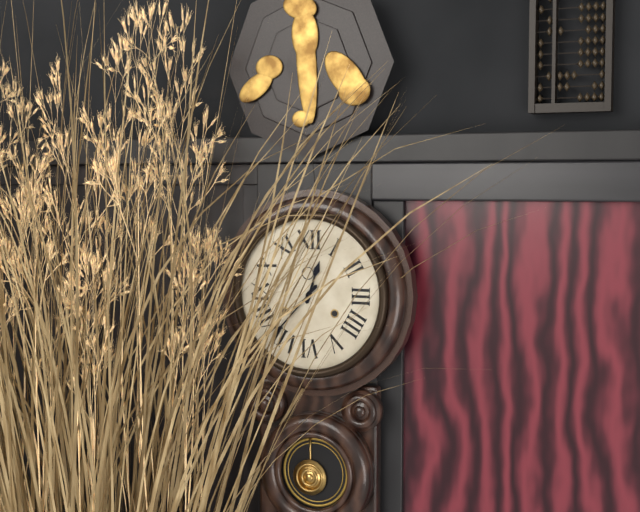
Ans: 12:37
